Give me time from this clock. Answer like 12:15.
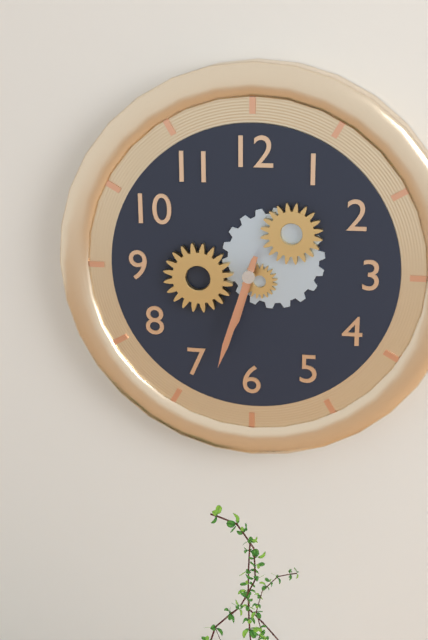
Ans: 6:33
